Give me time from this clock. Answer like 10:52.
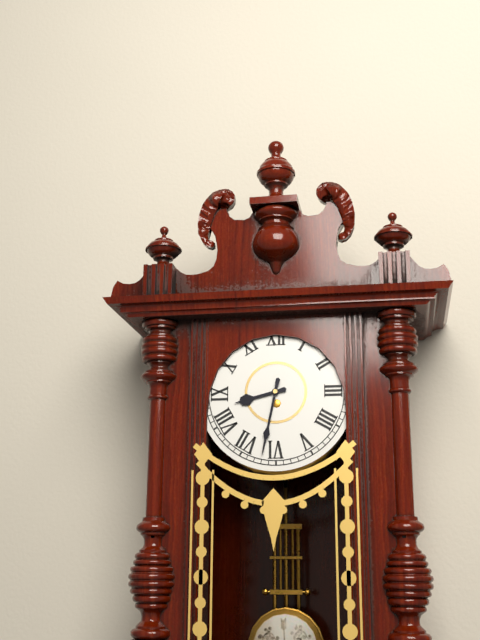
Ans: 8:32
